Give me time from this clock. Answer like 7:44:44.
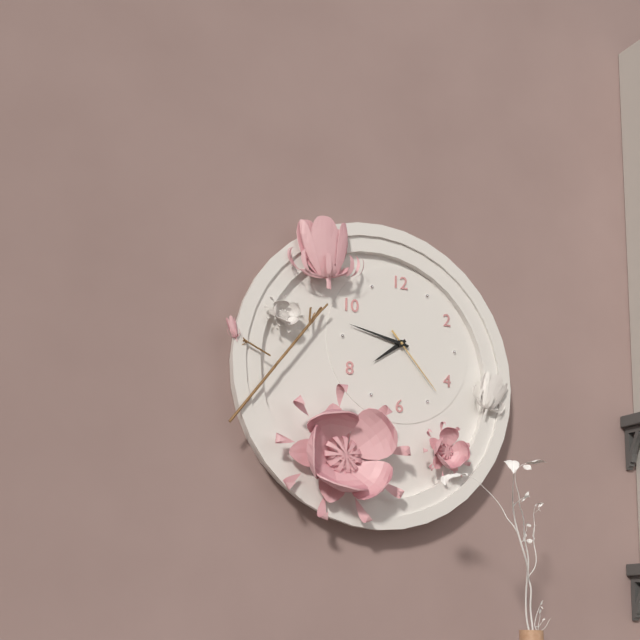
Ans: 7:47:23
